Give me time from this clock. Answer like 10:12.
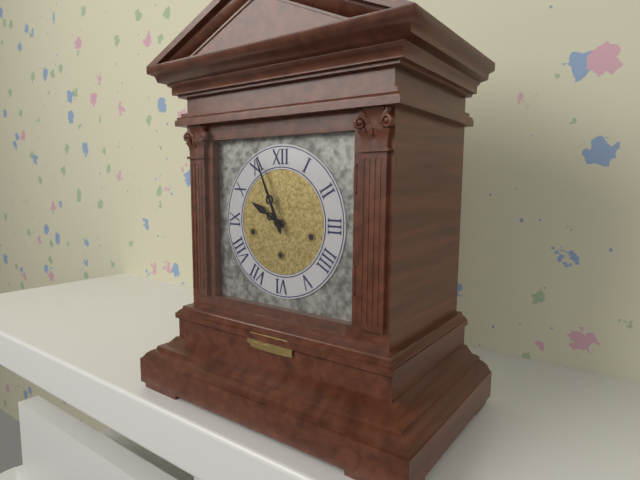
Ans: 9:56
